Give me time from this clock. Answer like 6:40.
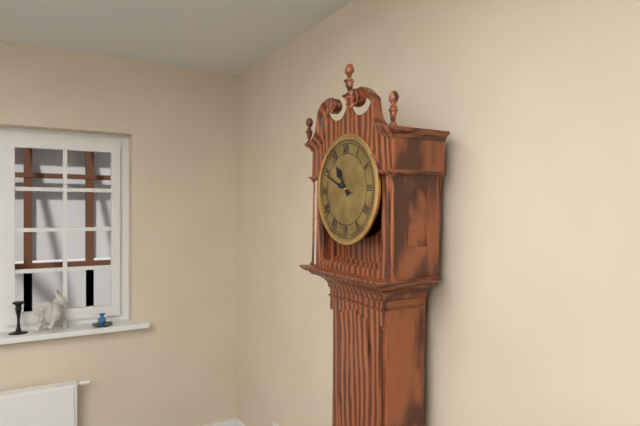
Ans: 10:49
